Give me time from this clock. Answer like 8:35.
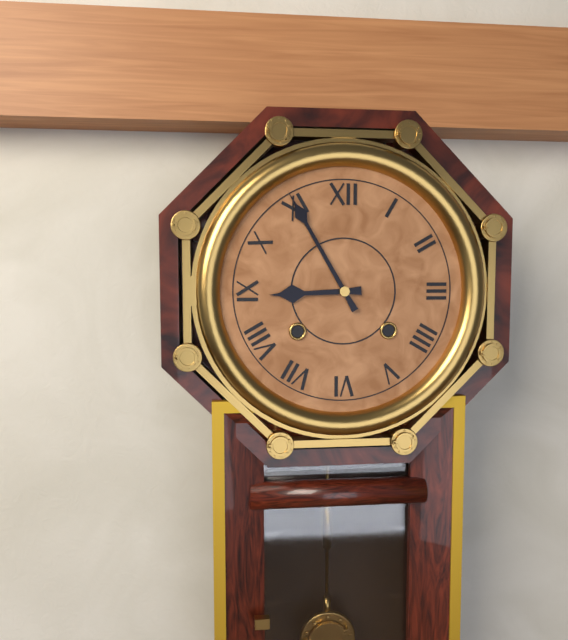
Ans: 8:55
